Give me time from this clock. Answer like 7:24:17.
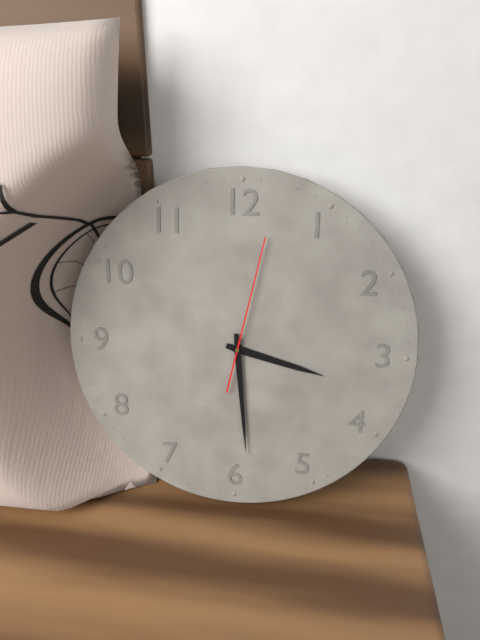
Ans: 3:29:02
